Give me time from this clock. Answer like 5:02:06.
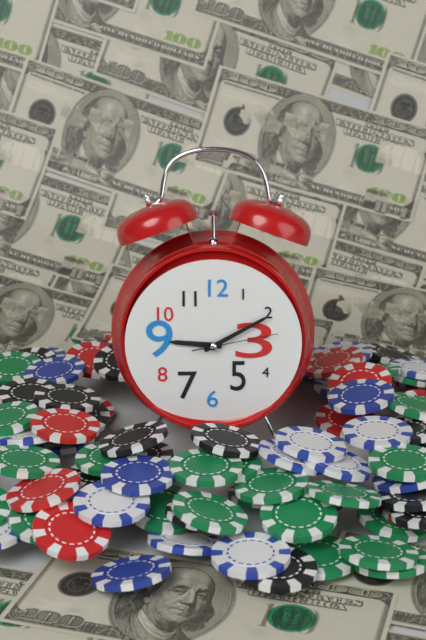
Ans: 9:10:13
